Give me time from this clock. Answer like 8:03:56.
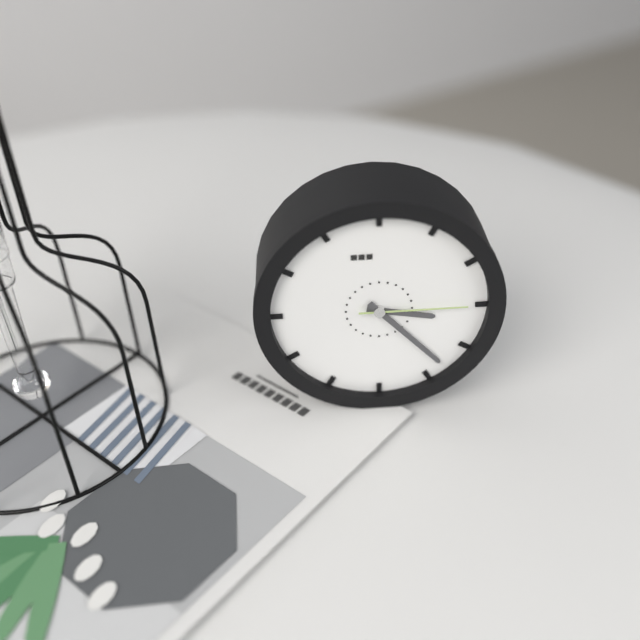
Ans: 3:23:15
